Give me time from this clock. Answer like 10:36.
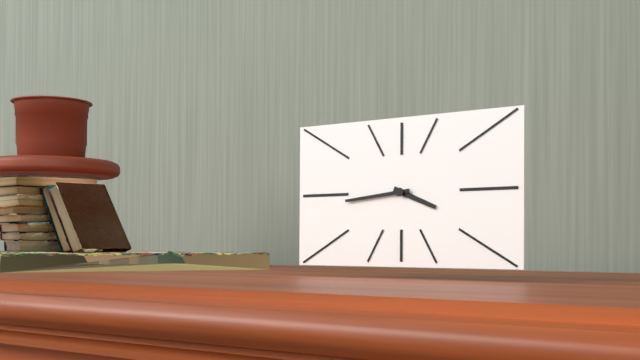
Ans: 3:44
